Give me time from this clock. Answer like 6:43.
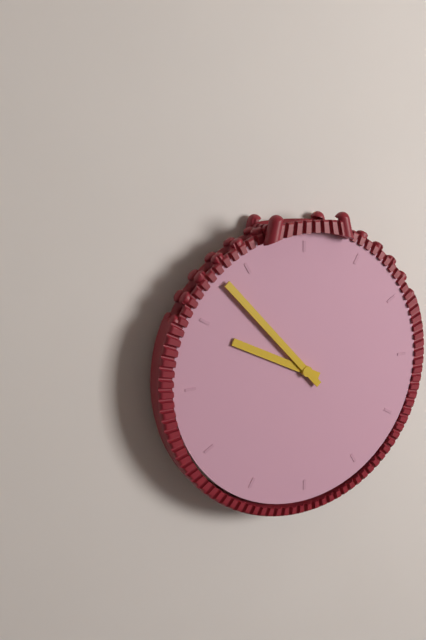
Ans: 9:53
